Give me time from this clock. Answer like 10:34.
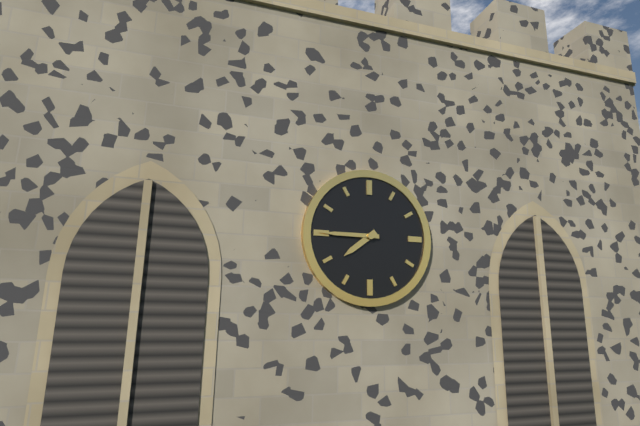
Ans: 7:45
